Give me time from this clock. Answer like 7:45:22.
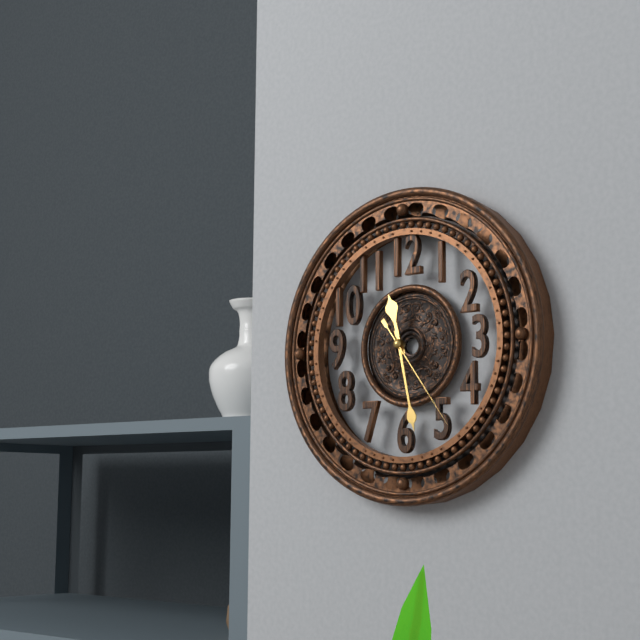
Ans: 11:28:24
